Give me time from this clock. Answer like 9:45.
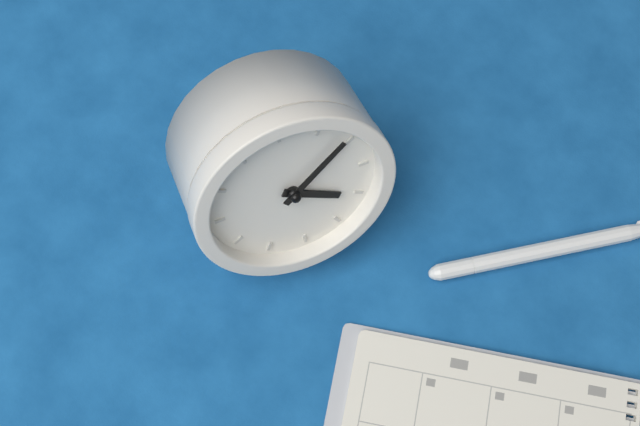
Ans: 3:04
